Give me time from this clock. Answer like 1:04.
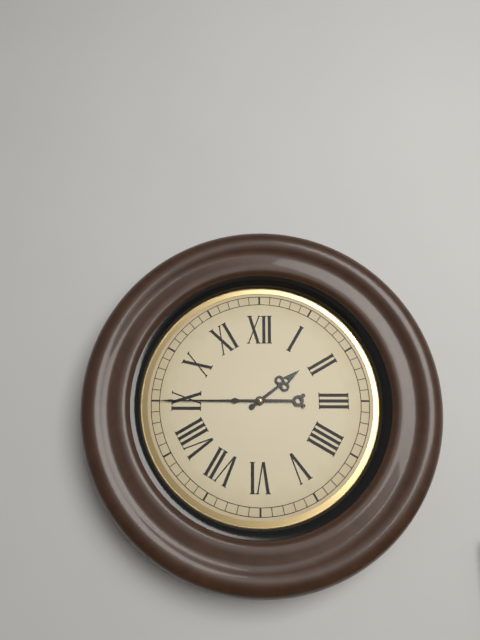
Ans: 1:45
